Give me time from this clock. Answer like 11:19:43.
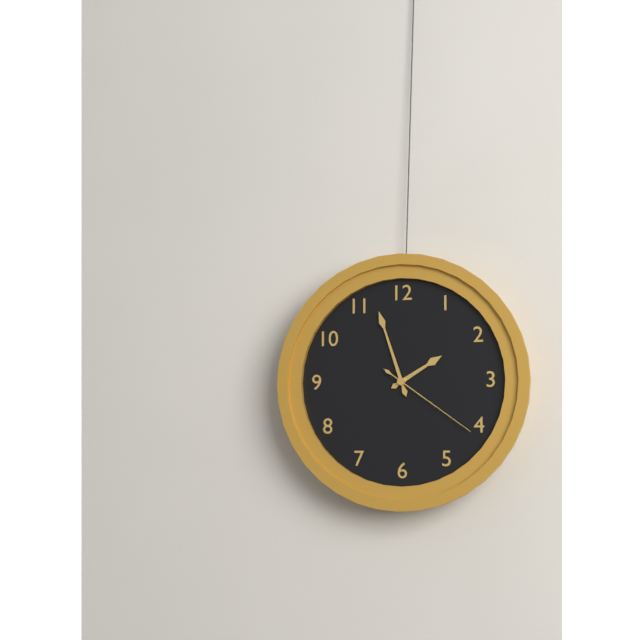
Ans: 1:57:21
